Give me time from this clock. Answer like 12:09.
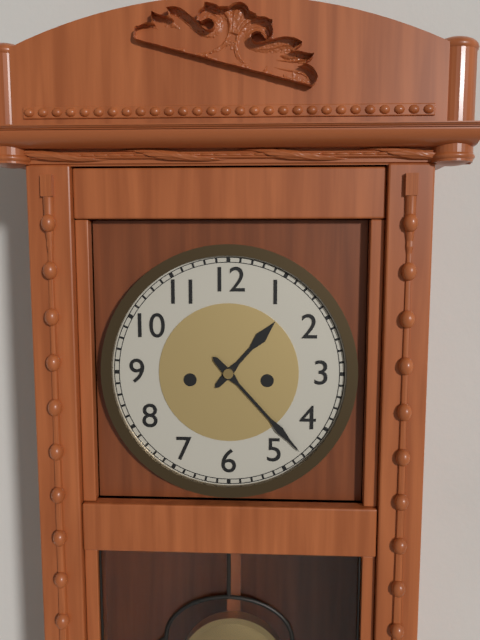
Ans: 1:23
